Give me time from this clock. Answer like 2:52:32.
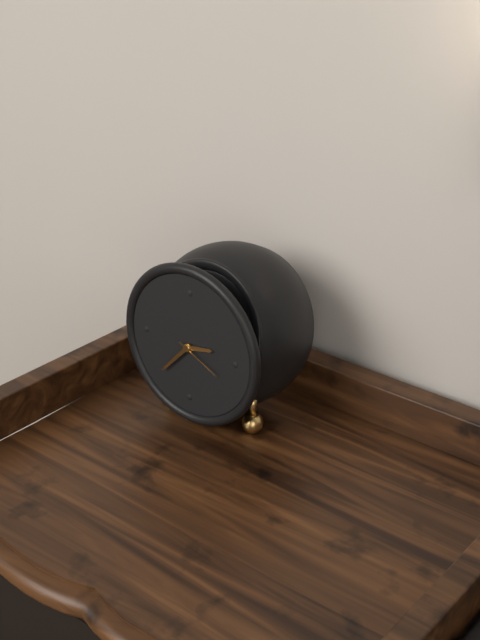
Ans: 2:37:19
